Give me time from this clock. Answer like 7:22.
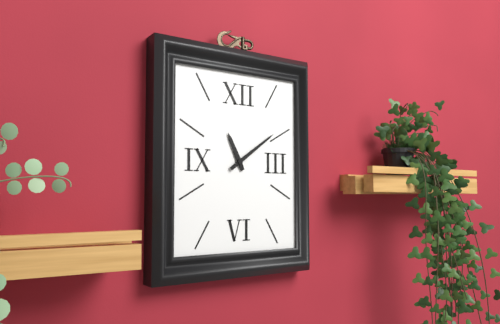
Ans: 11:09
